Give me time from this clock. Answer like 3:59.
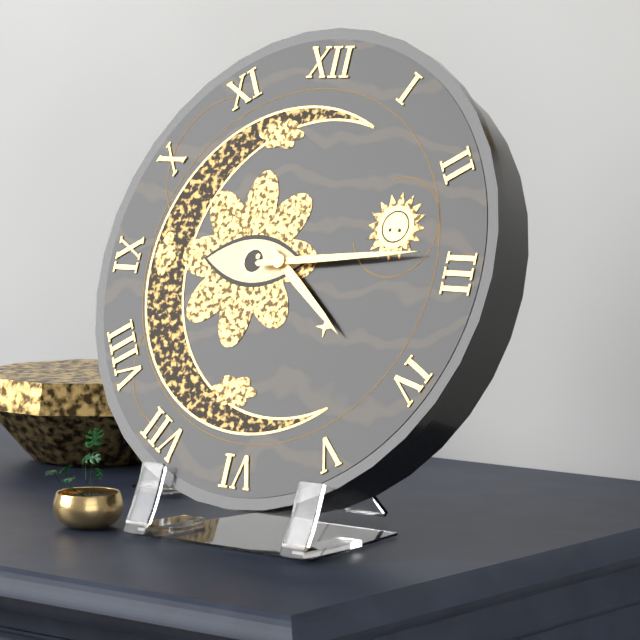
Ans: 4:14
